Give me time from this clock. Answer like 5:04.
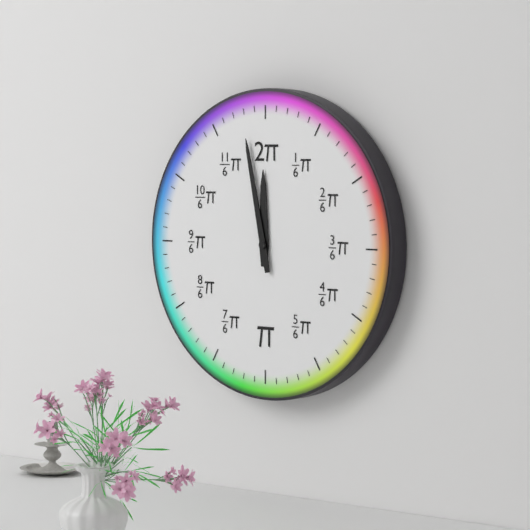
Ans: 11:58
